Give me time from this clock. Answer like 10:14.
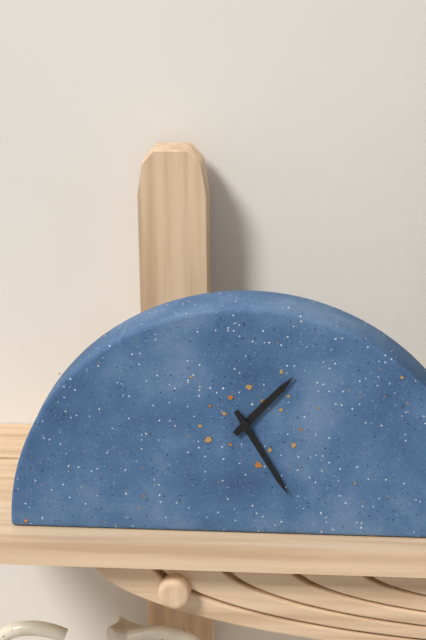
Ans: 1:25
